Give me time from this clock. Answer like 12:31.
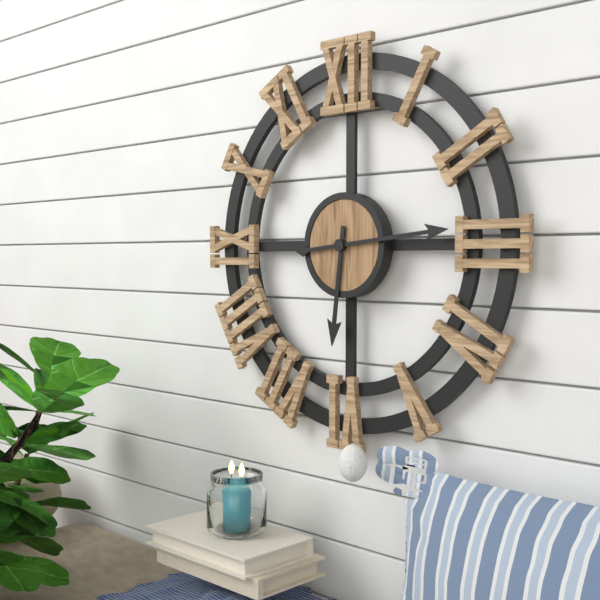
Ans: 6:14
